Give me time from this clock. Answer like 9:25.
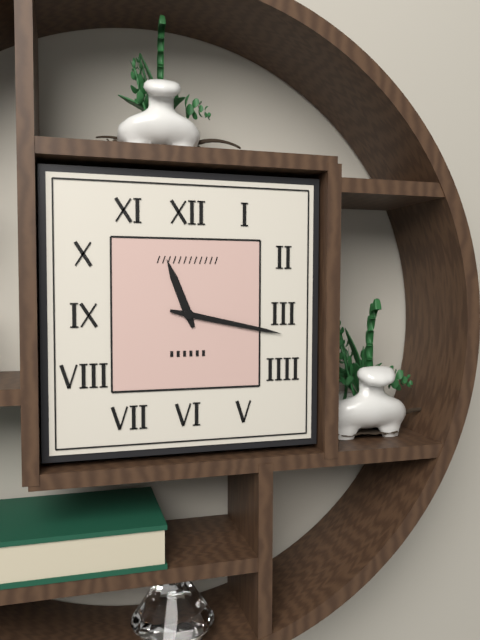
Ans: 11:17
